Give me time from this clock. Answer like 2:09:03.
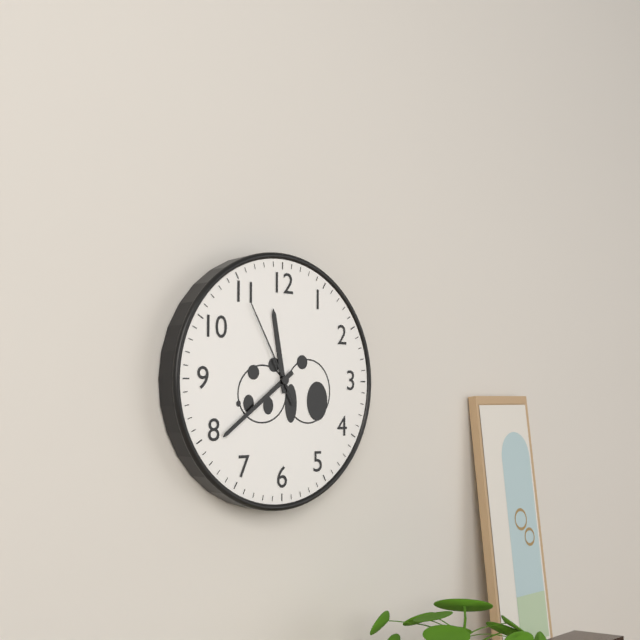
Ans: 11:39:55
